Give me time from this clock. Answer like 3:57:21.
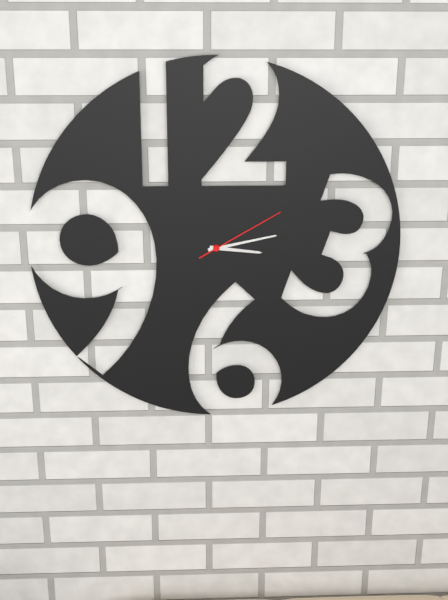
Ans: 3:13:10
